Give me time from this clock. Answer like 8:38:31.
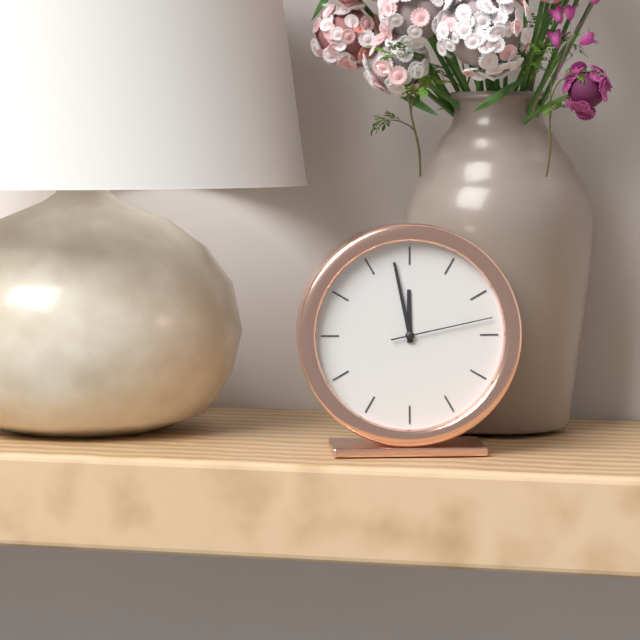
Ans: 11:58:13
